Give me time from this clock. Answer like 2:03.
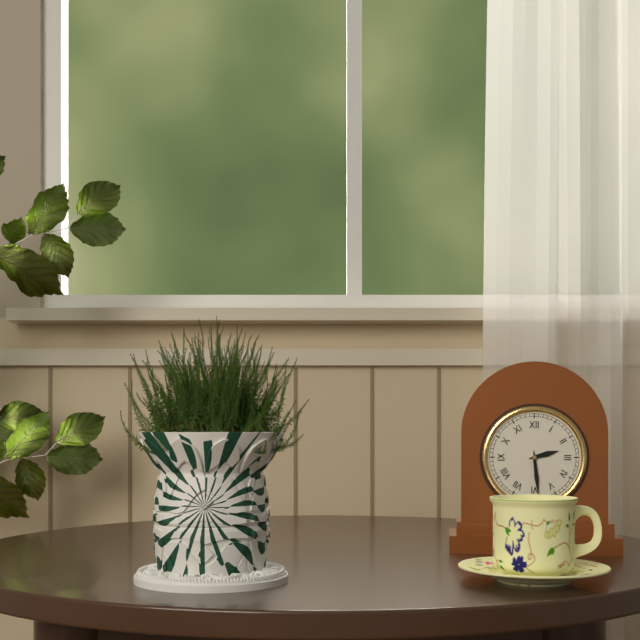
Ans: 2:29
